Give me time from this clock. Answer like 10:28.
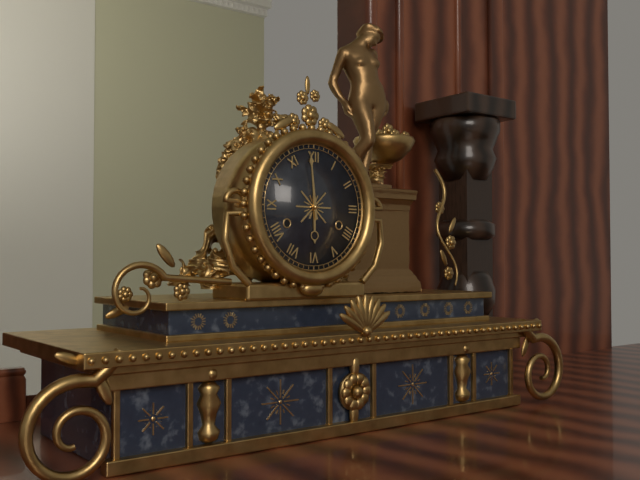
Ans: 5:59
